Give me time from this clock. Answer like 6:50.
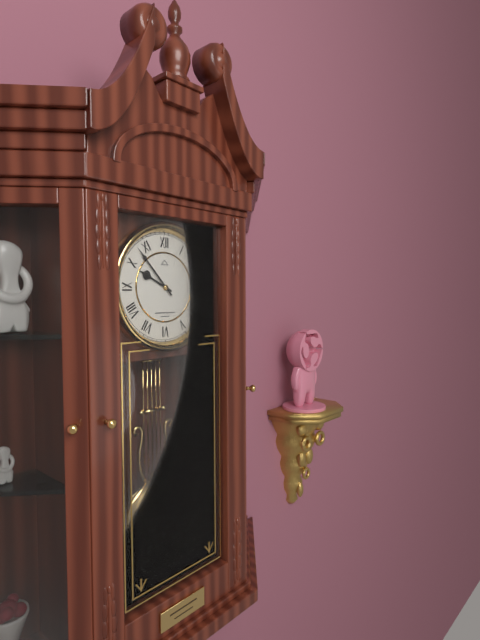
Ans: 9:53
